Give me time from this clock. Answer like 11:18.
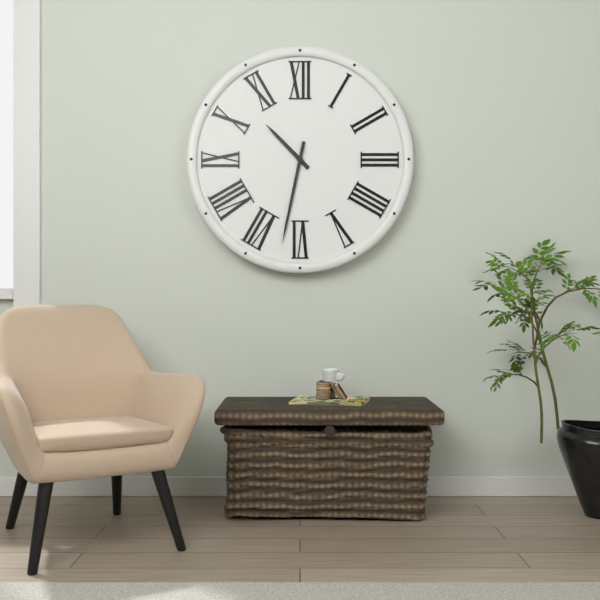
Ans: 10:32
